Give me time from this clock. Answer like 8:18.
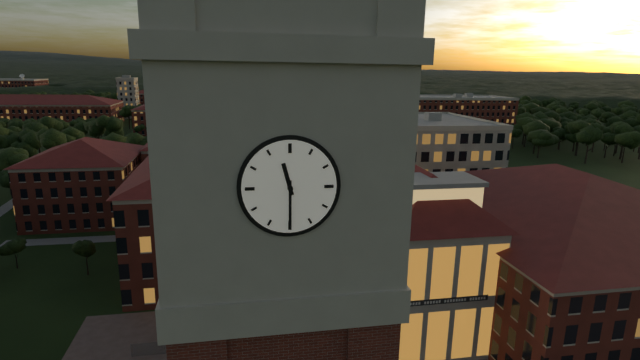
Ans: 11:30
